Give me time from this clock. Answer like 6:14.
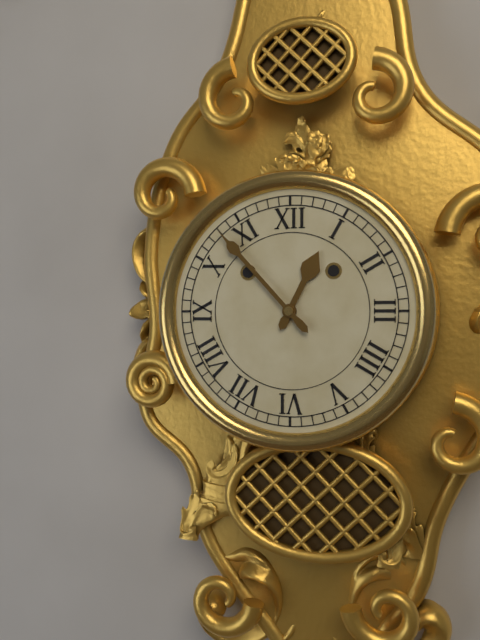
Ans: 12:53
